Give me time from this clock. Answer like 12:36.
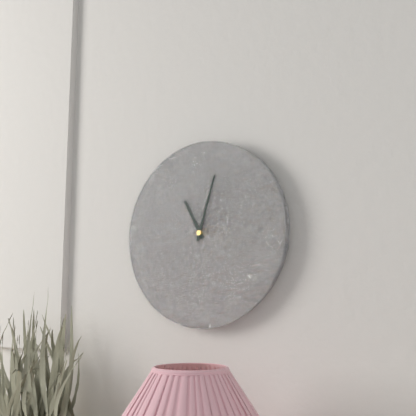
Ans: 11:03
